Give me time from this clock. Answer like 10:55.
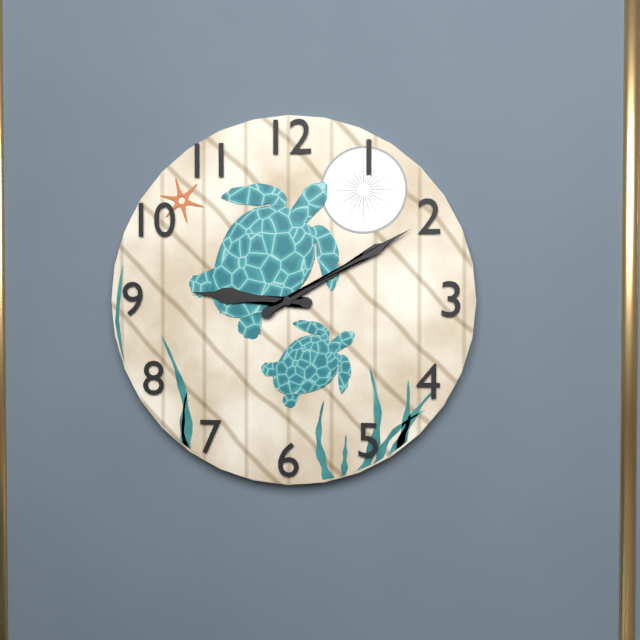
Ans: 9:10
